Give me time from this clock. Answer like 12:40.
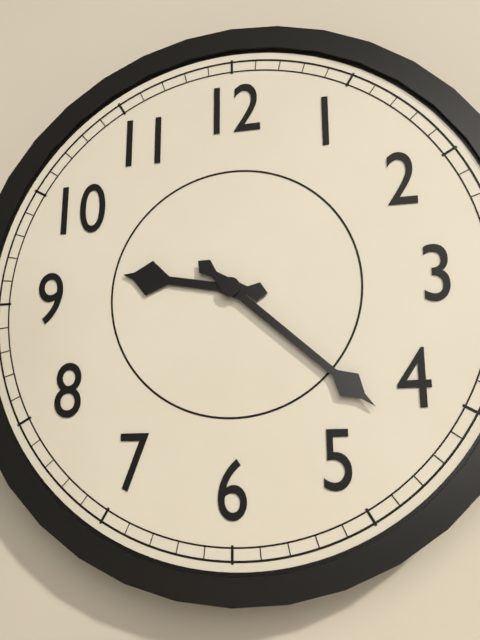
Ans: 9:22
